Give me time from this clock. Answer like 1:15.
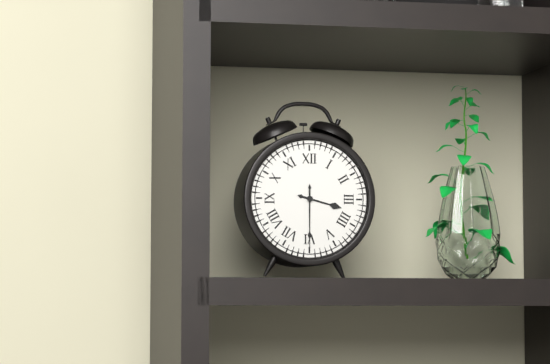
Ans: 3:30
